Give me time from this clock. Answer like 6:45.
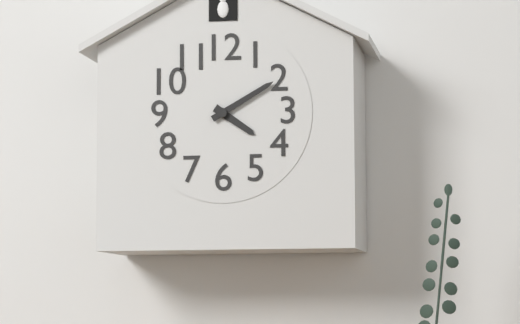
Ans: 4:10
